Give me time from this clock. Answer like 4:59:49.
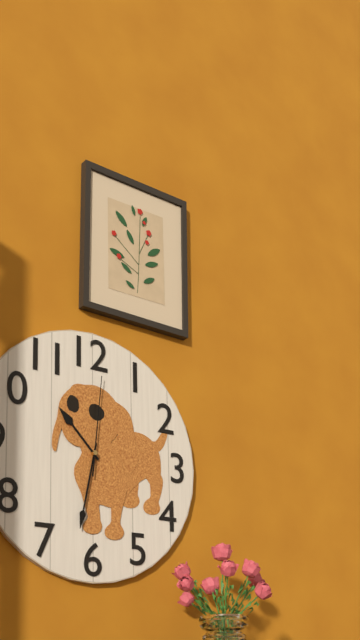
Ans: 10:32:01
